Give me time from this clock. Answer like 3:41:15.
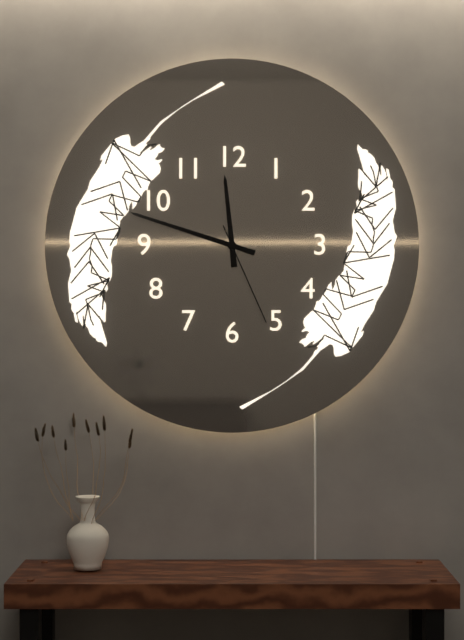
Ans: 11:48:26
